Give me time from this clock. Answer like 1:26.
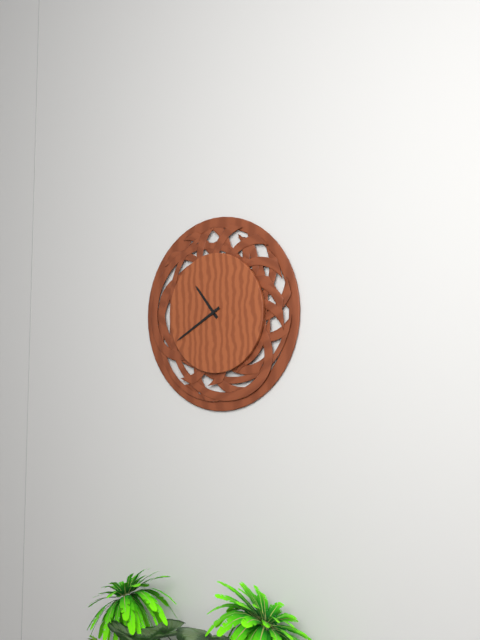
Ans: 10:40
